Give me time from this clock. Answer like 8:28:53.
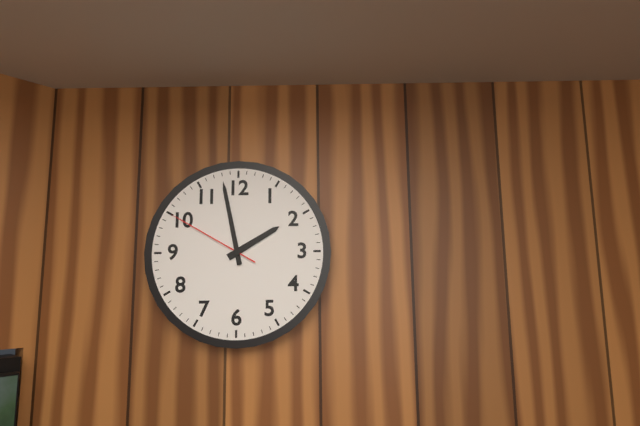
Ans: 1:58:50
